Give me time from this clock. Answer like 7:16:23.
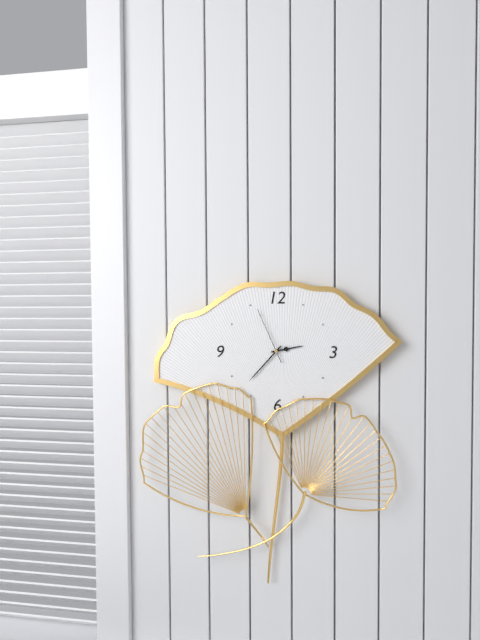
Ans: 2:37:56
